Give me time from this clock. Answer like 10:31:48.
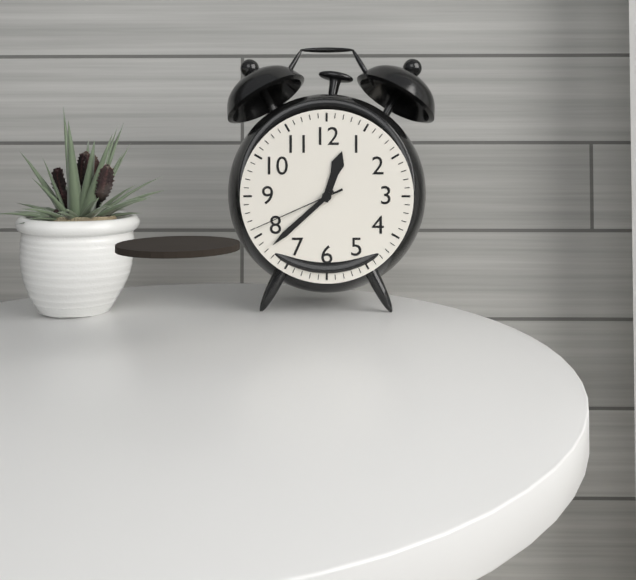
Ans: 12:38:41
